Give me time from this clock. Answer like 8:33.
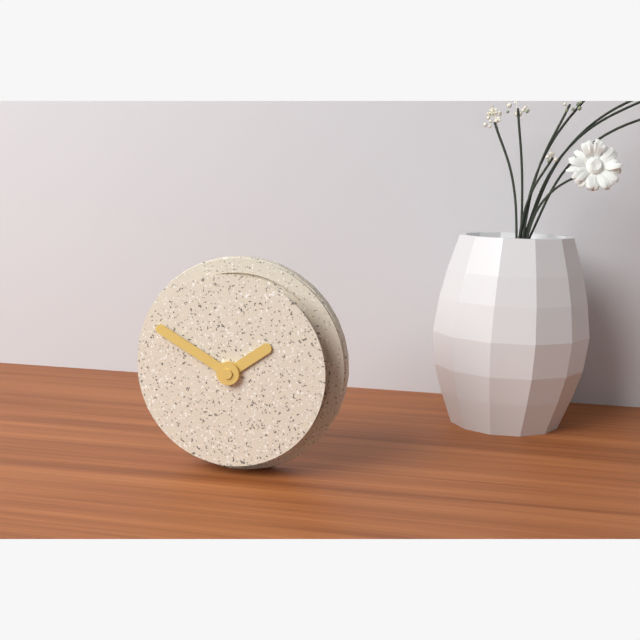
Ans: 1:50
